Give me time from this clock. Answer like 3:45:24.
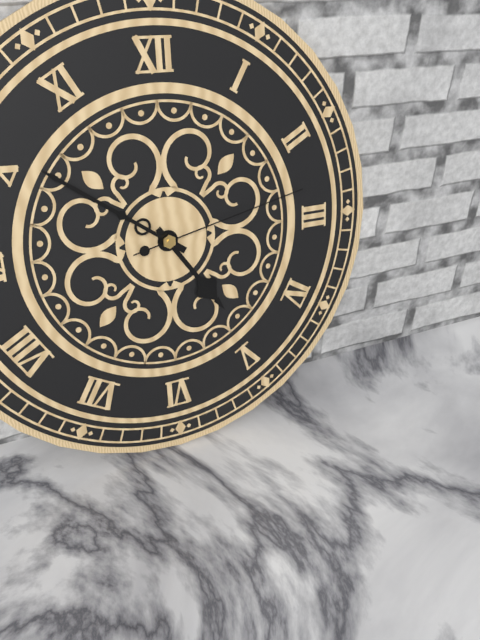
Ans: 4:51:13
